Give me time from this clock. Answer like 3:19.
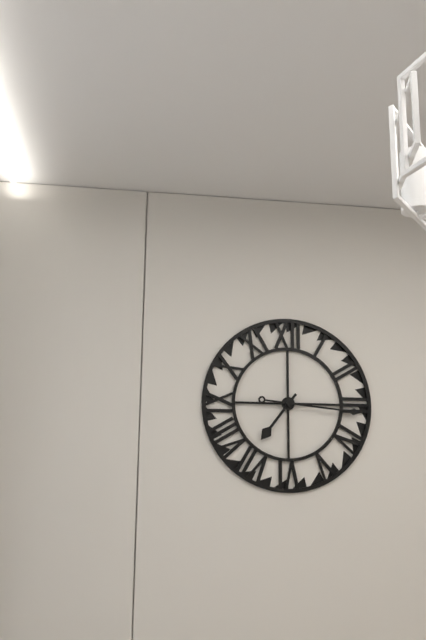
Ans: 7:16
